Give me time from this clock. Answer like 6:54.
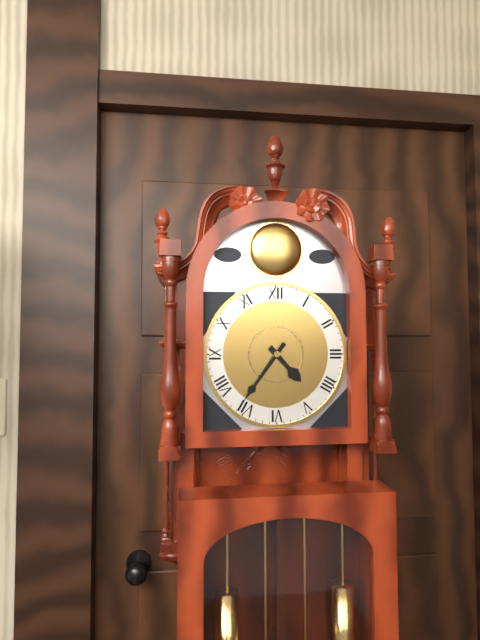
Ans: 4:36
